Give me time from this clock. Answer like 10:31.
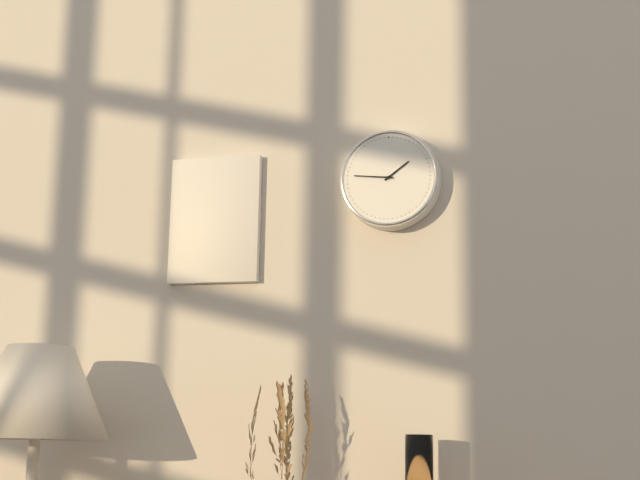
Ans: 1:46
